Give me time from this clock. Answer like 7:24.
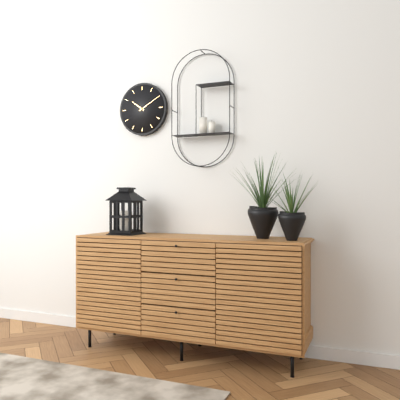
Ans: 10:10
